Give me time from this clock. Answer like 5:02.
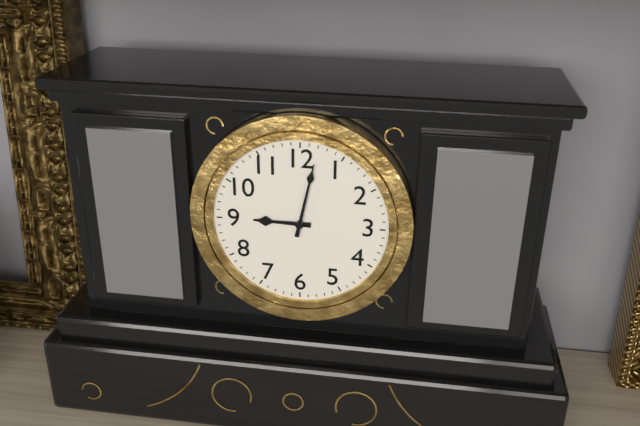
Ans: 9:02
